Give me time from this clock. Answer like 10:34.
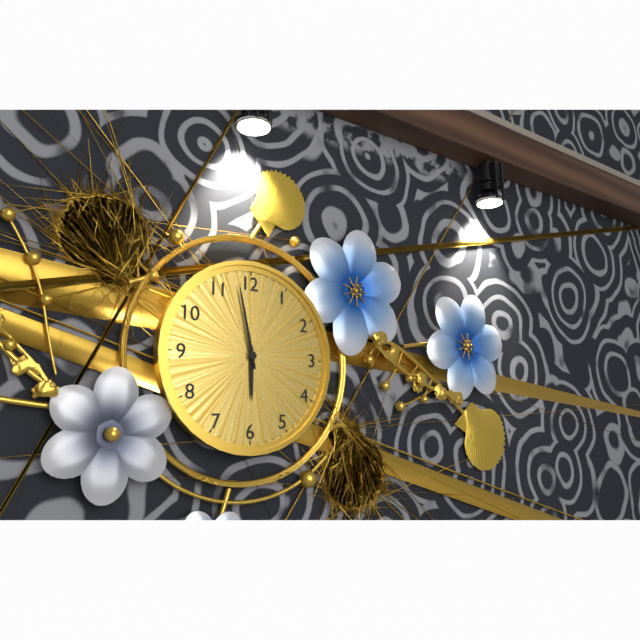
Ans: 5:58
